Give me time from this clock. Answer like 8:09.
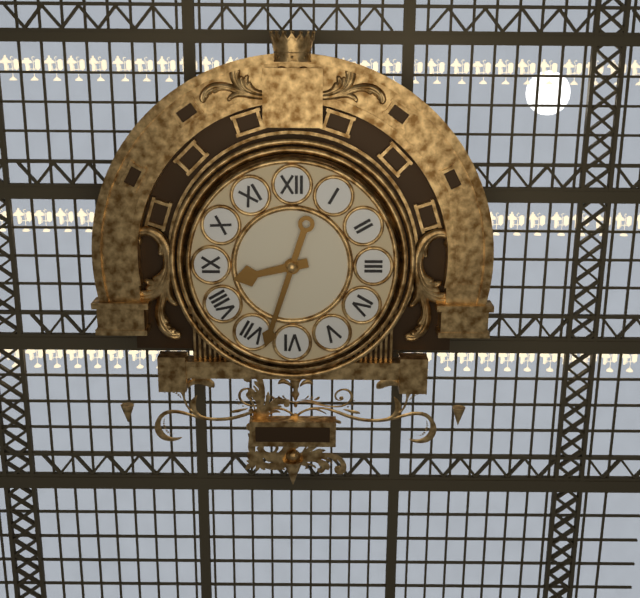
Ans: 8:33
